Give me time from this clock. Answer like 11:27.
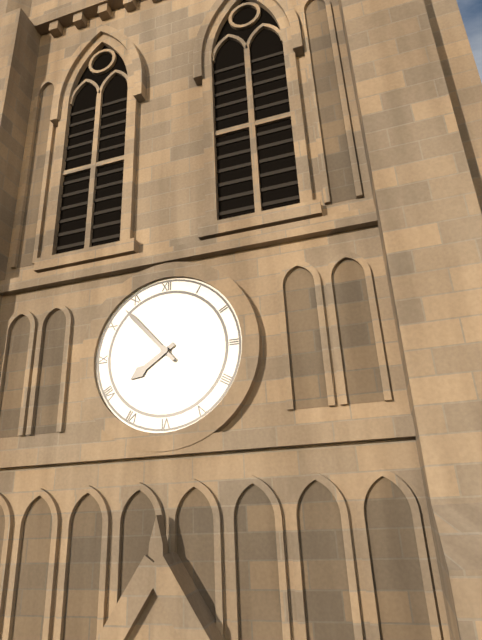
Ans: 7:53
